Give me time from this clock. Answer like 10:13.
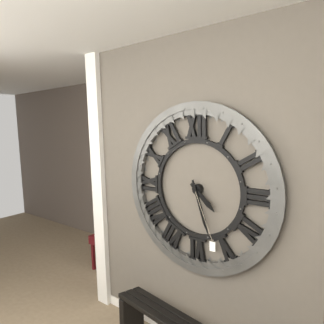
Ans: 4:27
